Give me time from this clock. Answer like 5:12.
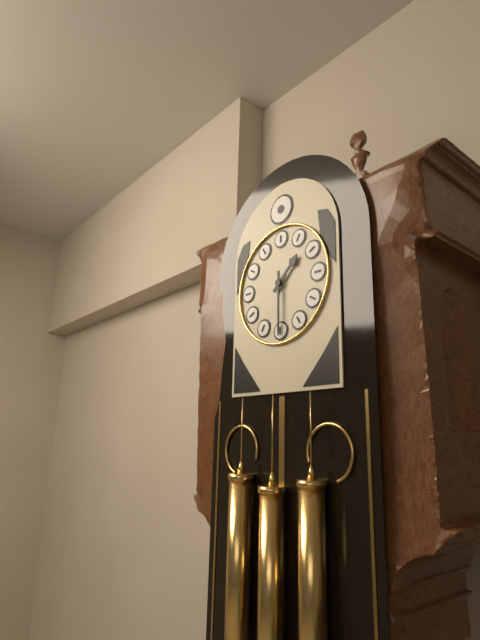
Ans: 1:30
